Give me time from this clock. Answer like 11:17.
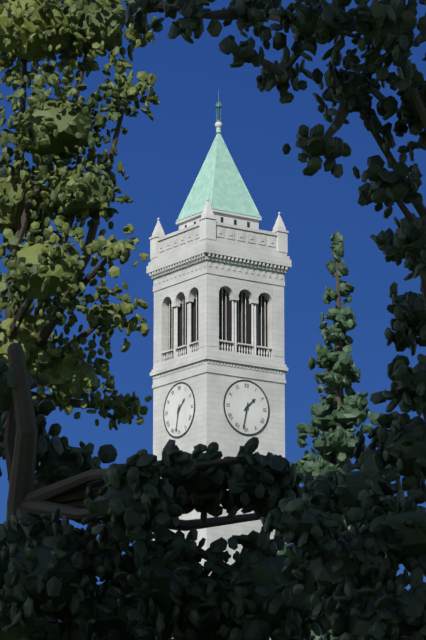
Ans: 1:32
